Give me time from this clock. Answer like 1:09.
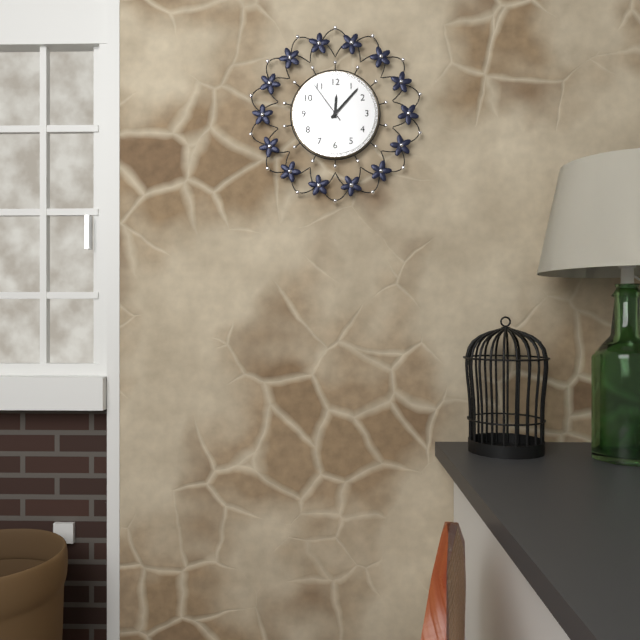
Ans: 12:07
